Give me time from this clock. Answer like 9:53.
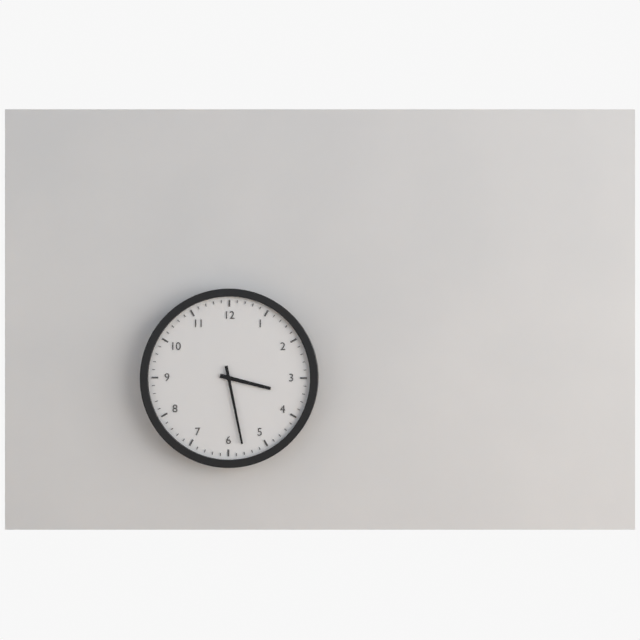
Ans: 3:28
